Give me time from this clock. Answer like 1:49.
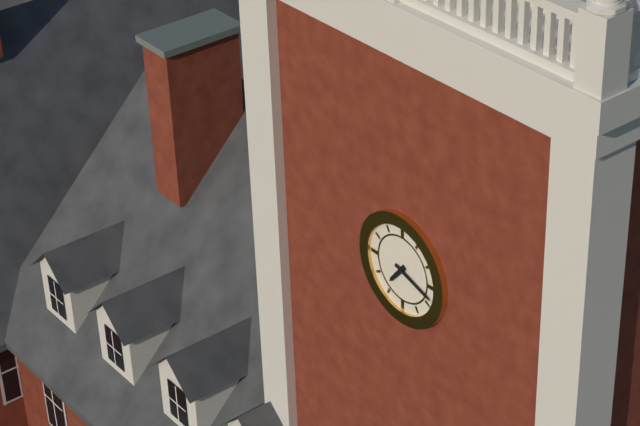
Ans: 7:18
